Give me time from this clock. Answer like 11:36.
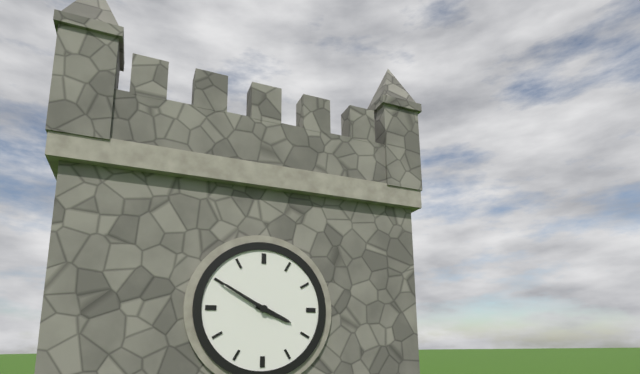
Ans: 3:50
